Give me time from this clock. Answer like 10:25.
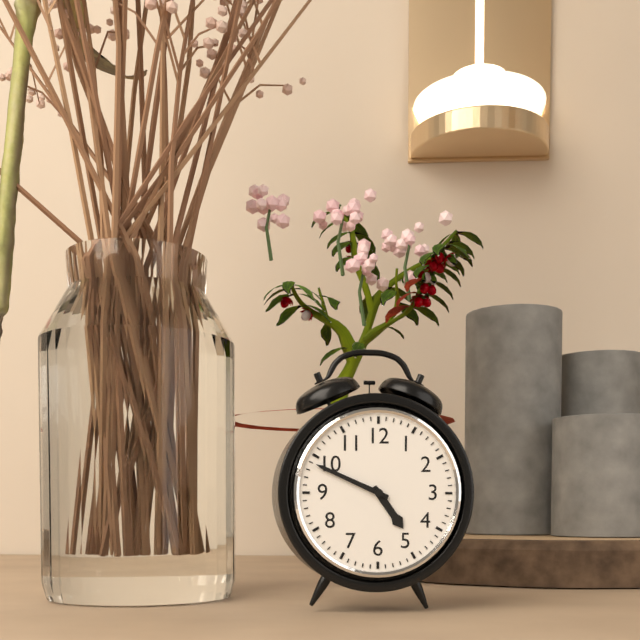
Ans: 4:49
